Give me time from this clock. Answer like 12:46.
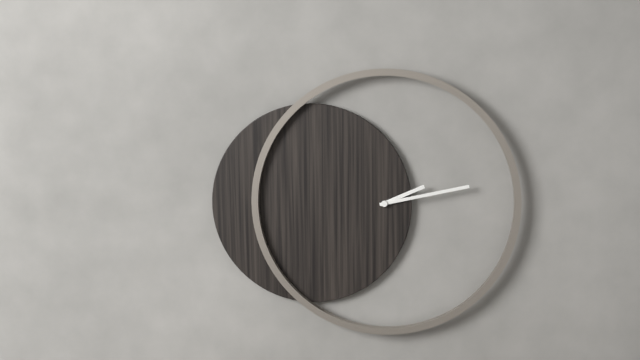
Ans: 2:13
